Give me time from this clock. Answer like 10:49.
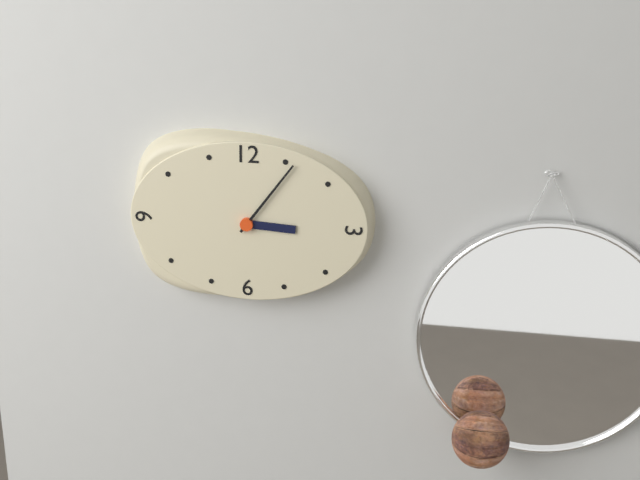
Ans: 3:06
